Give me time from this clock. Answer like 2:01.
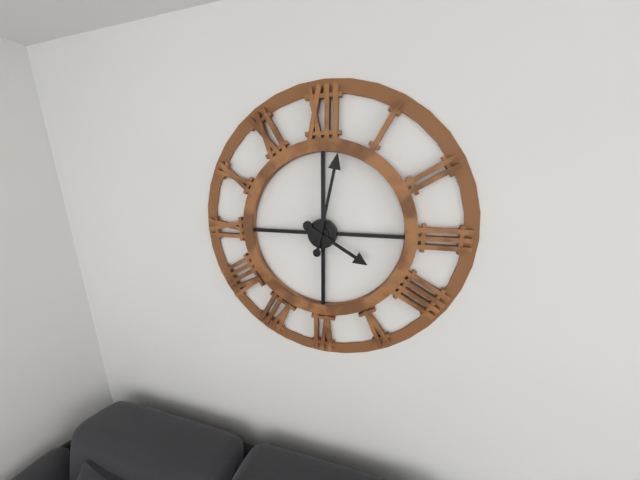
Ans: 4:02
